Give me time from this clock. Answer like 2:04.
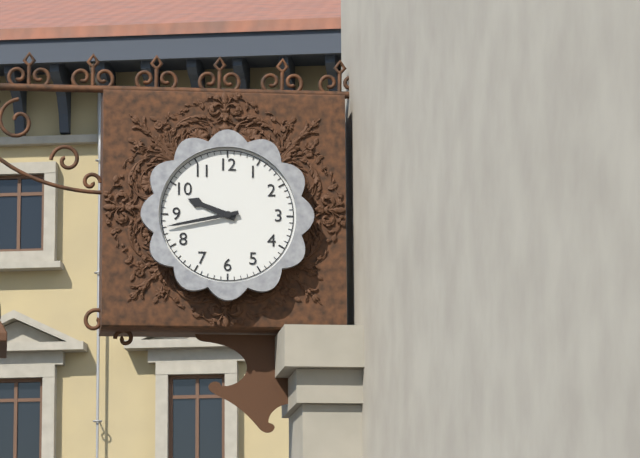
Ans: 9:43
